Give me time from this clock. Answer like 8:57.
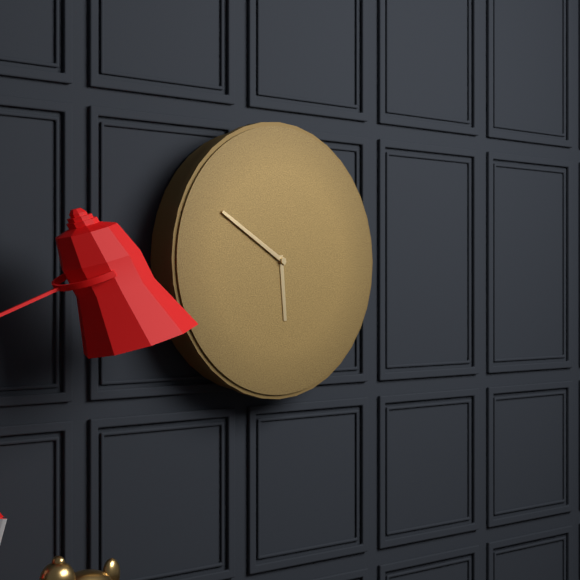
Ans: 5:50
